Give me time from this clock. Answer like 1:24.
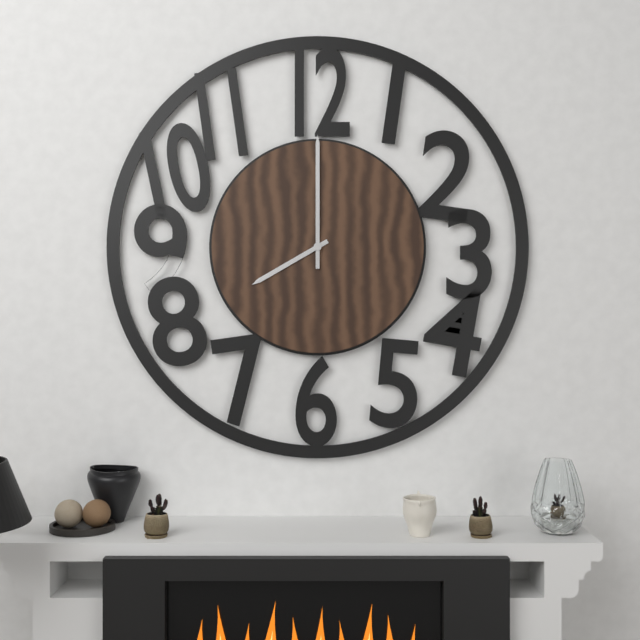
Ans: 8:00
